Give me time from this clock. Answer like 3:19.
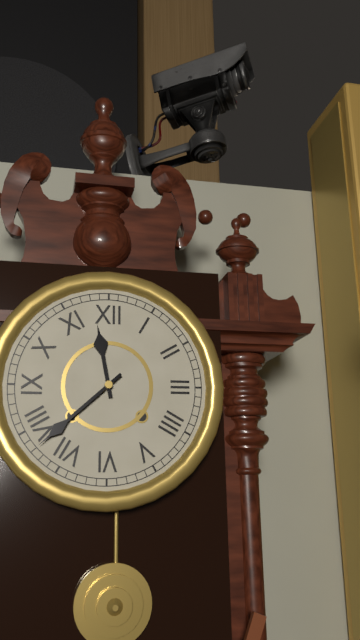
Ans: 11:38
